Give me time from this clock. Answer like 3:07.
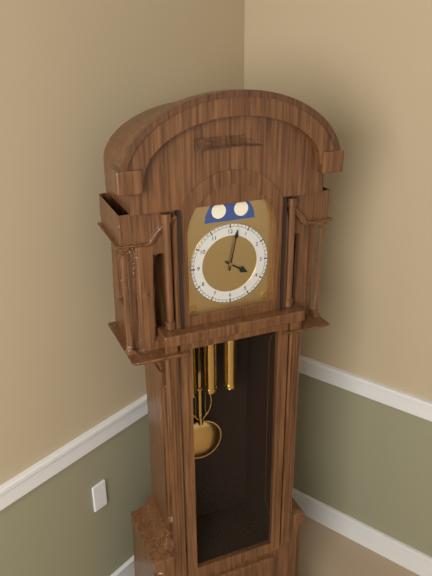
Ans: 4:02
